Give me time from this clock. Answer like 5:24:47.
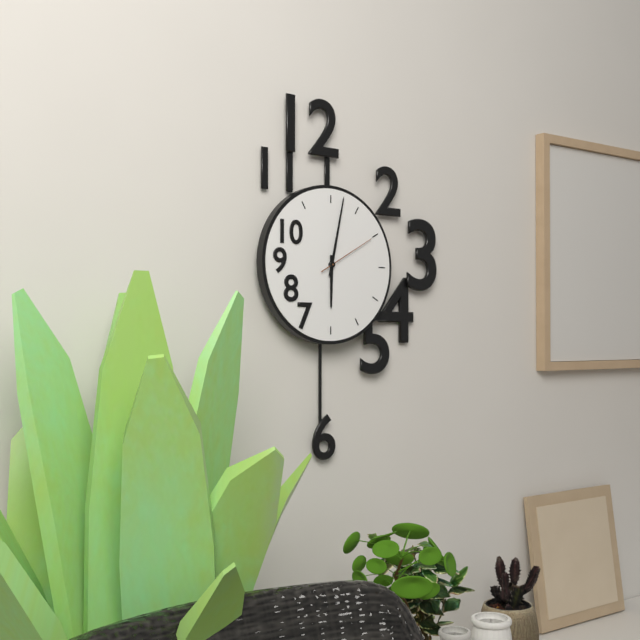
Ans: 6:02:10
